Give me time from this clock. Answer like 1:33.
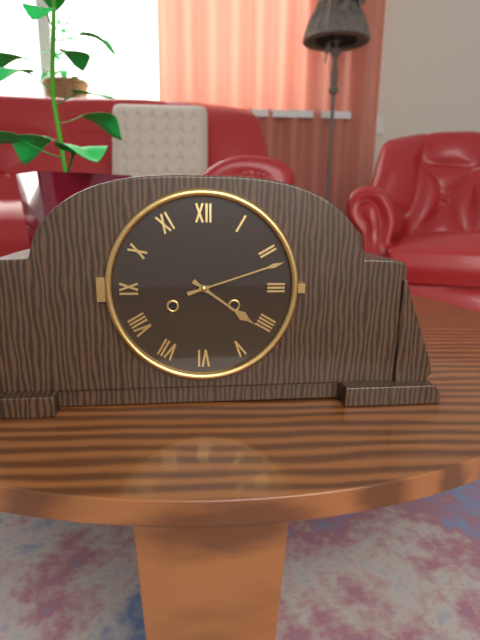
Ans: 4:12
